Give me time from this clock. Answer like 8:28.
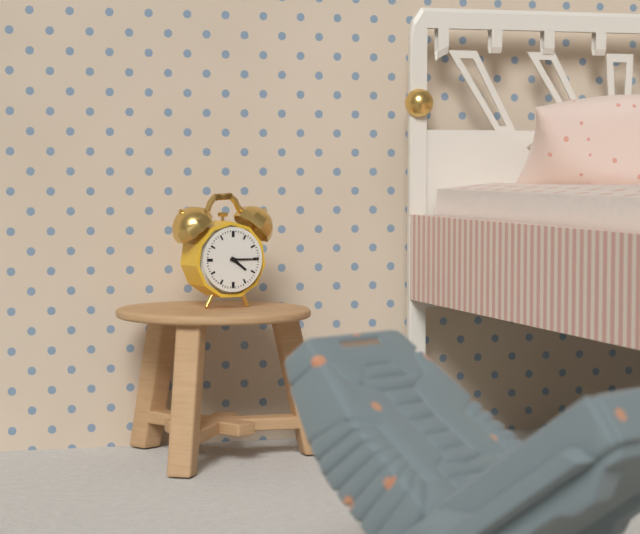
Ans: 4:15
